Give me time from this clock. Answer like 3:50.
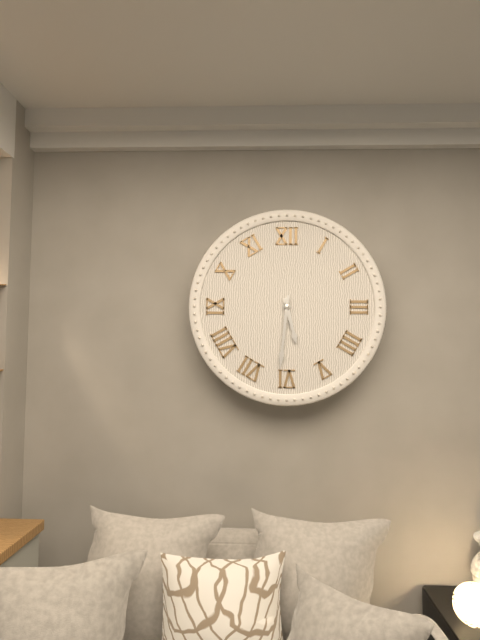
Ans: 5:31
